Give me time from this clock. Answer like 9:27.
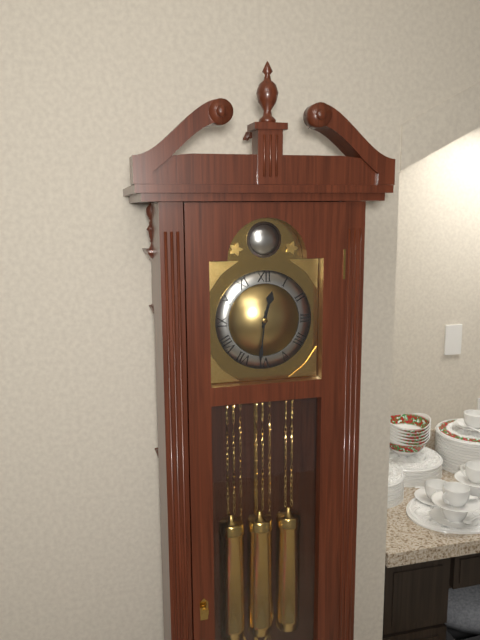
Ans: 12:31
